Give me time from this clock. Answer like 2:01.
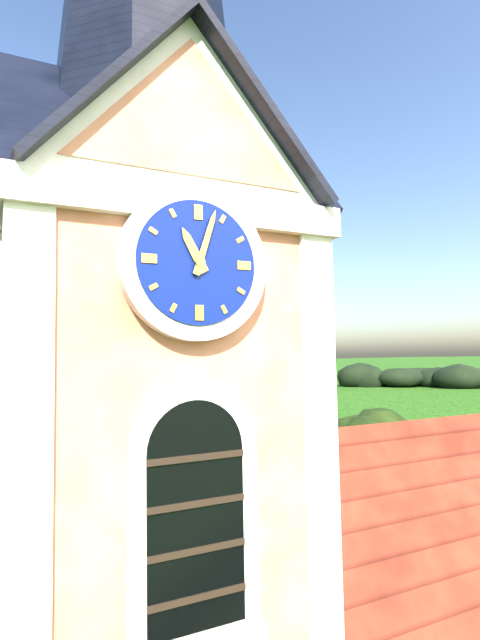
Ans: 11:03
